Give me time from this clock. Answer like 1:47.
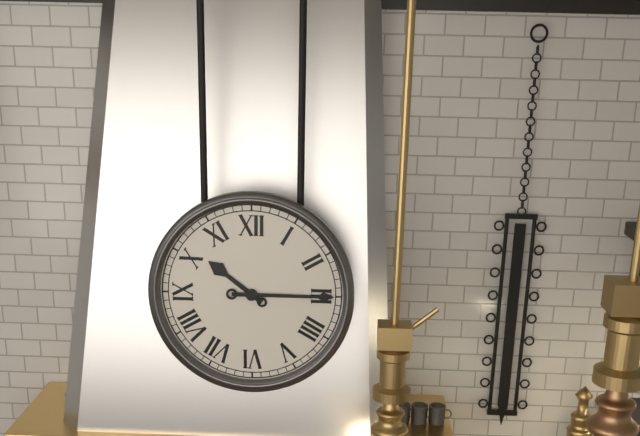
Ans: 10:15
